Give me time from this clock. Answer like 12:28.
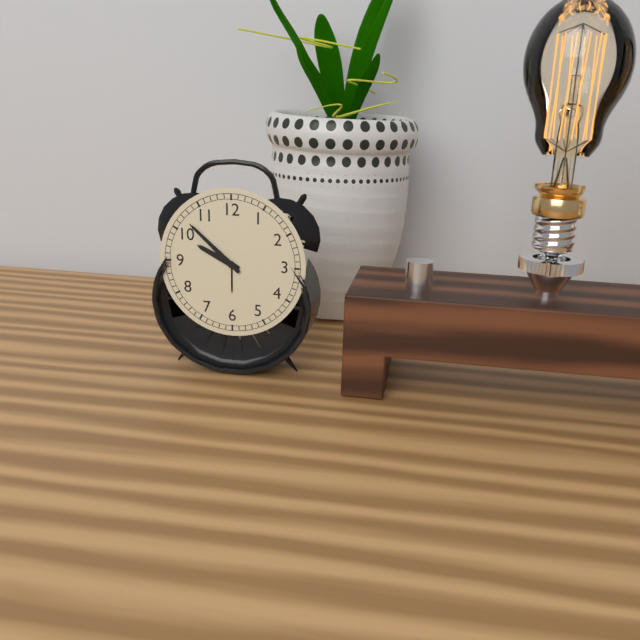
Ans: 9:52
